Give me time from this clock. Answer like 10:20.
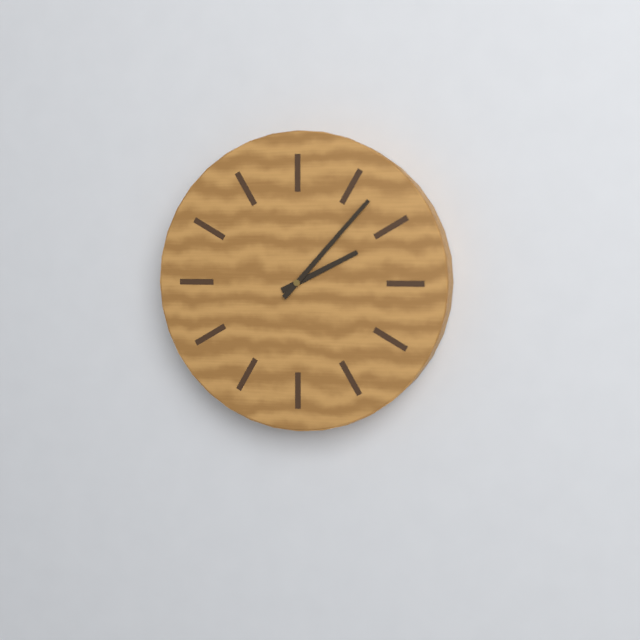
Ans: 2:07
